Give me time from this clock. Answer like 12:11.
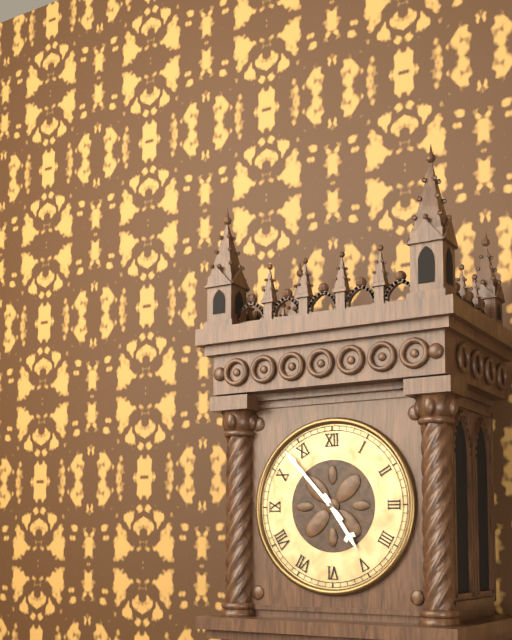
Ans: 4:53
